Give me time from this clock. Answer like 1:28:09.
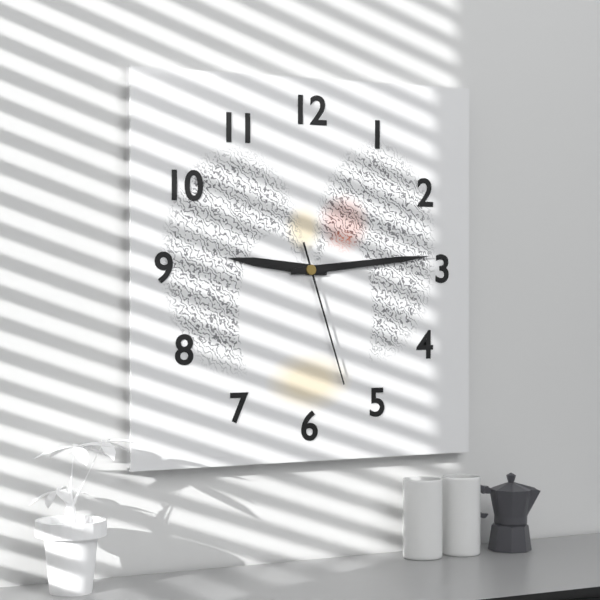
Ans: 9:14:27
